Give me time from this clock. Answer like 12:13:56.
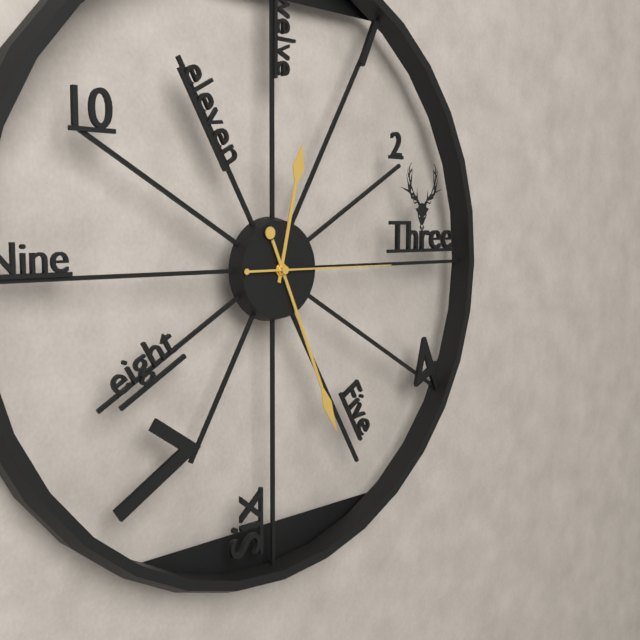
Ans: 12:26:15
